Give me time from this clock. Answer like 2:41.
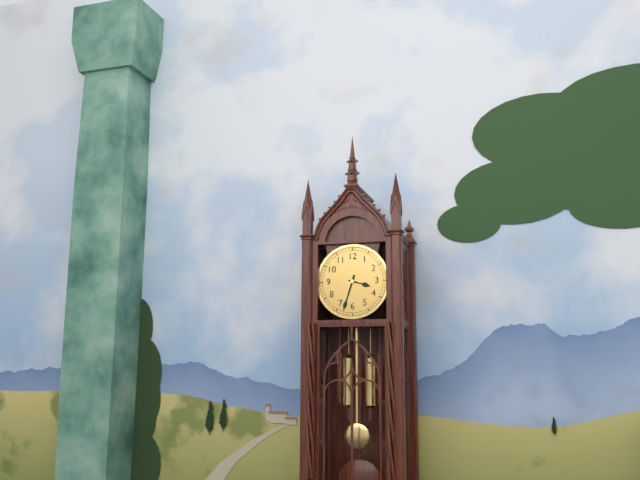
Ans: 3:33
